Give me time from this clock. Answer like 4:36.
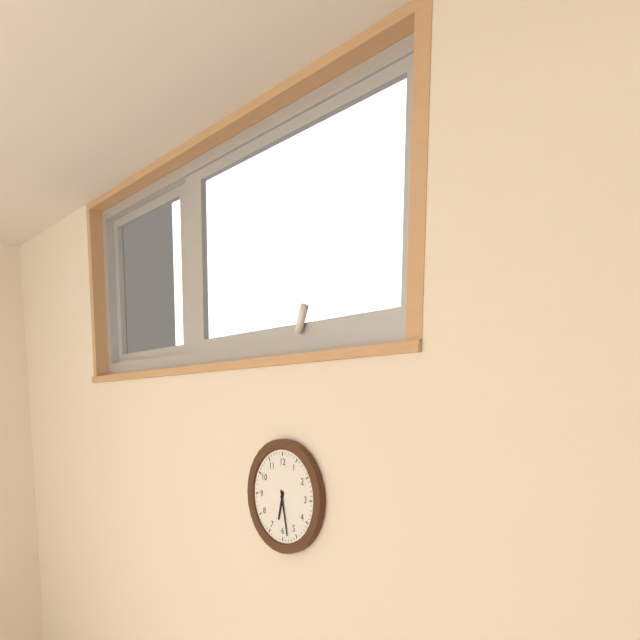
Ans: 6:28
